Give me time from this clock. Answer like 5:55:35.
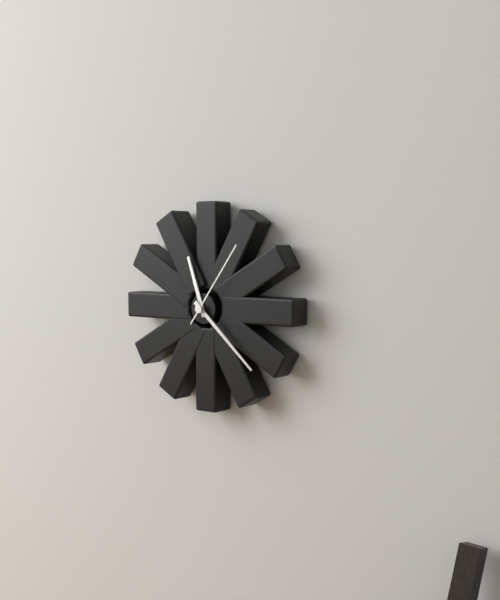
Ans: 11:22:06
